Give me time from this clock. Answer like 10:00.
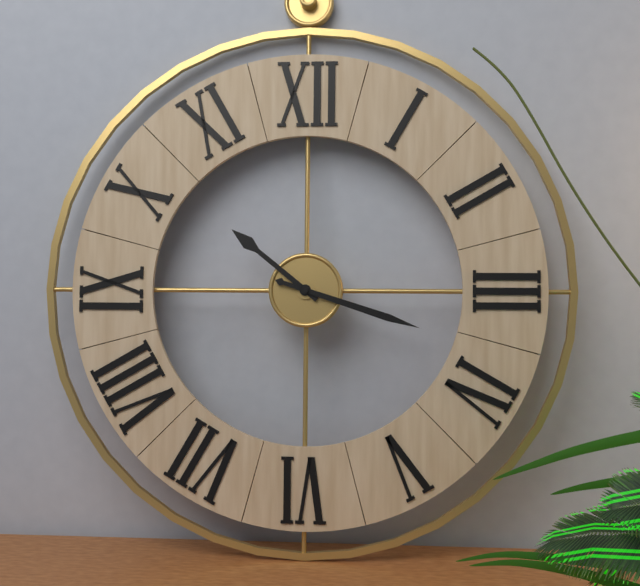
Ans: 10:18
